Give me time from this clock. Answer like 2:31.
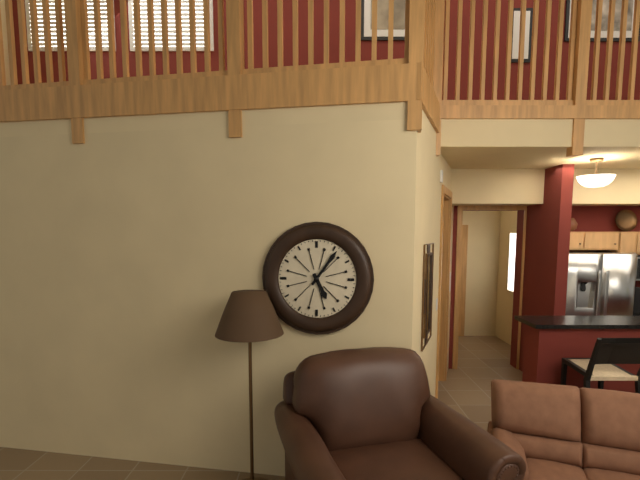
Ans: 5:06
